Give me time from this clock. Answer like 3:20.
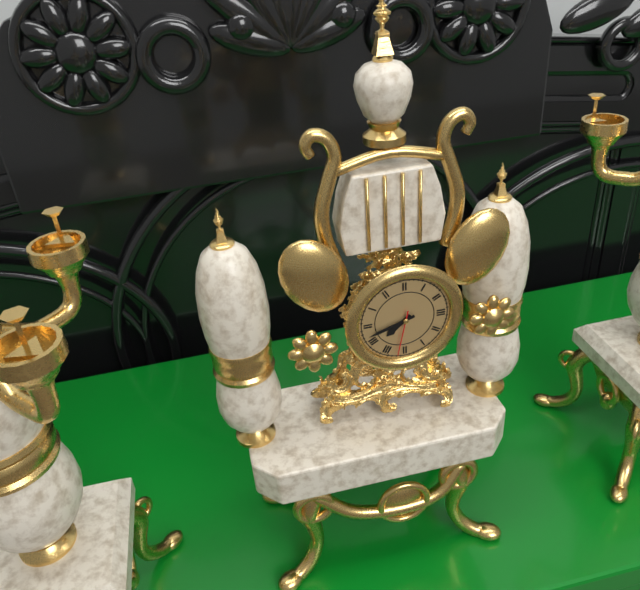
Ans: 7:42
